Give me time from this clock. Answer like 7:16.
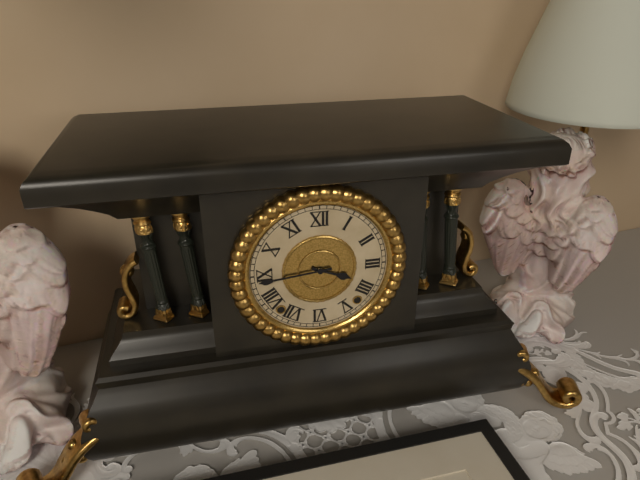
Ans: 3:44
